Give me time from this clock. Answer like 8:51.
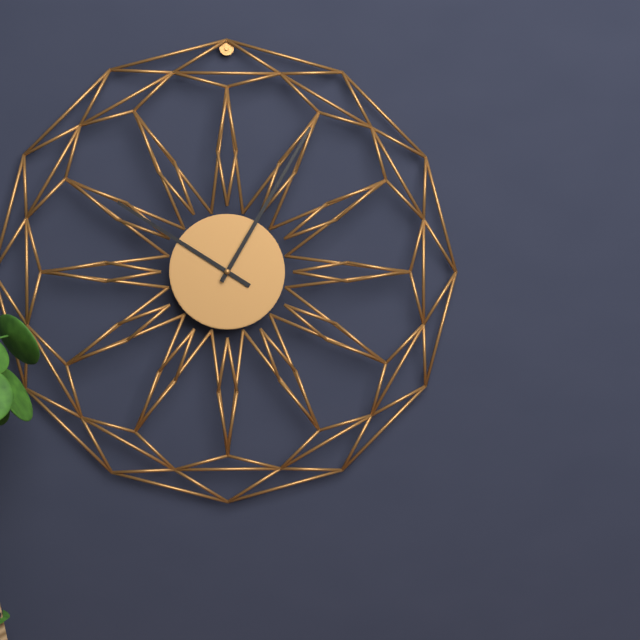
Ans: 10:05
